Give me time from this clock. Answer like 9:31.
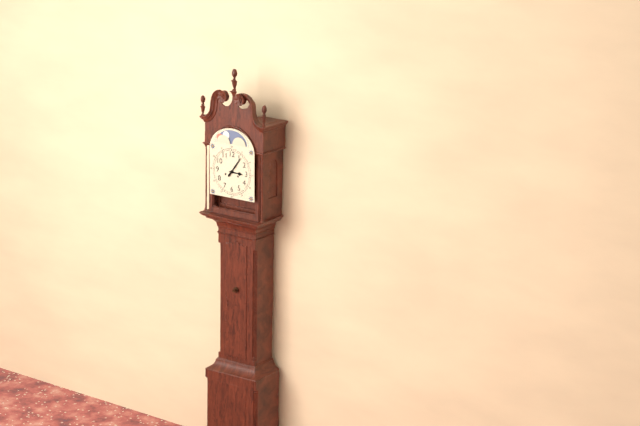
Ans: 3:06
